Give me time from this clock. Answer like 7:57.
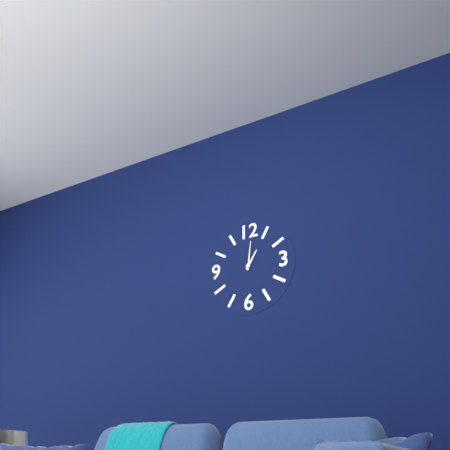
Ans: 1:01
